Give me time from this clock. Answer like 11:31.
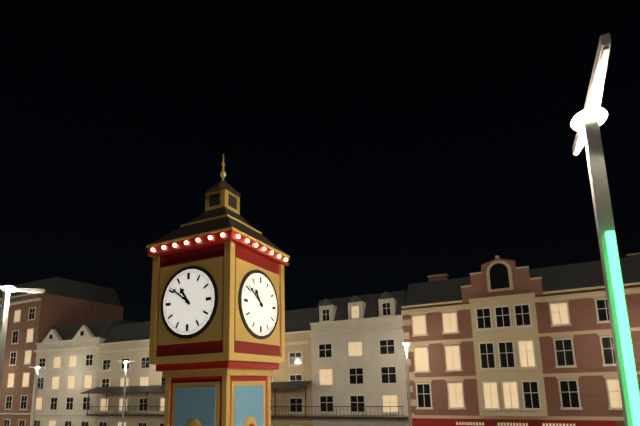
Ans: 10:51
